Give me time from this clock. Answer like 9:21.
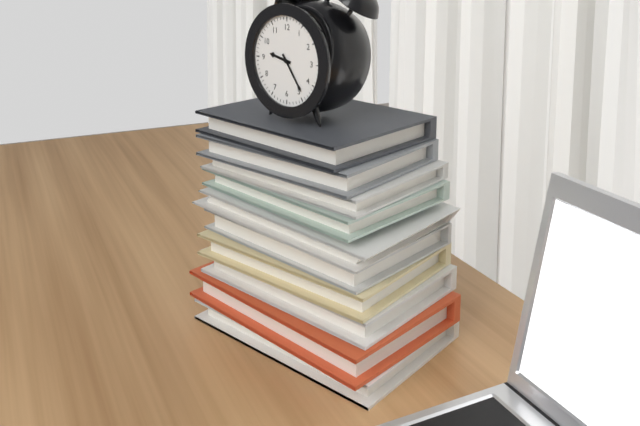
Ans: 9:24
